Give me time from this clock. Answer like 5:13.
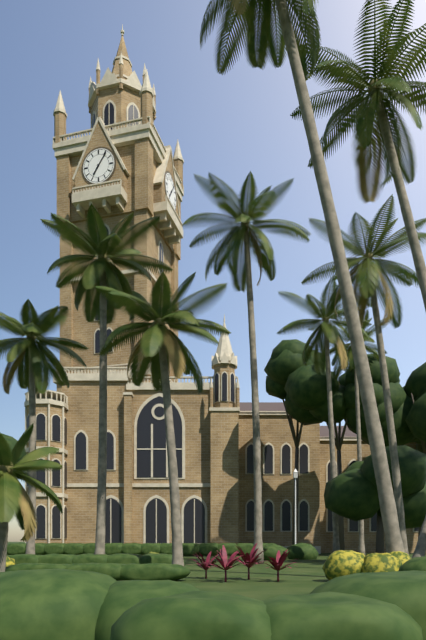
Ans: 7:06
